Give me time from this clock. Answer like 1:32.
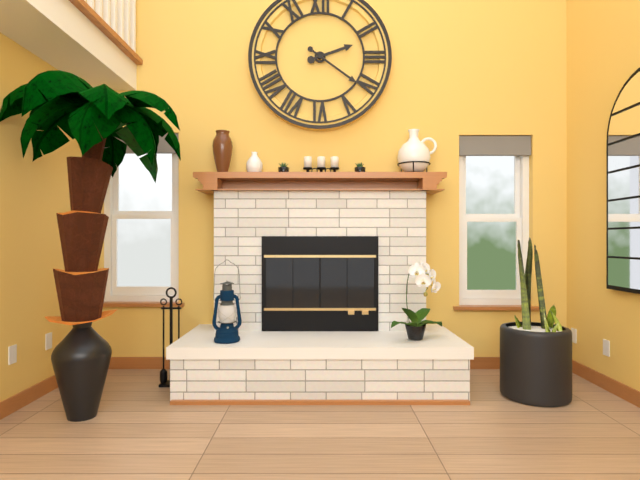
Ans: 2:21
